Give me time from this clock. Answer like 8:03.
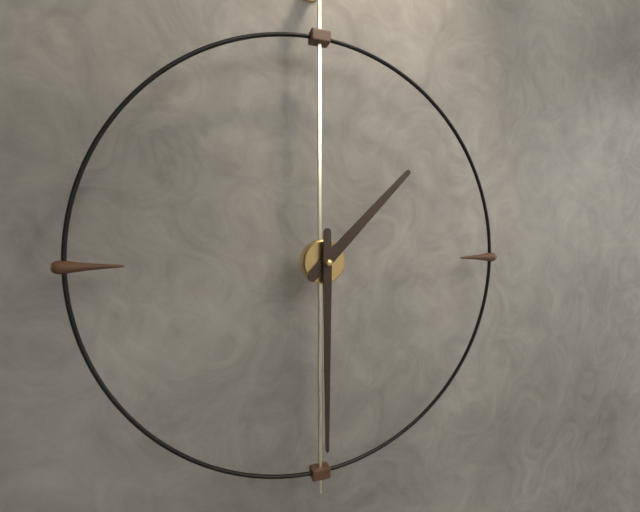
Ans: 1:30
